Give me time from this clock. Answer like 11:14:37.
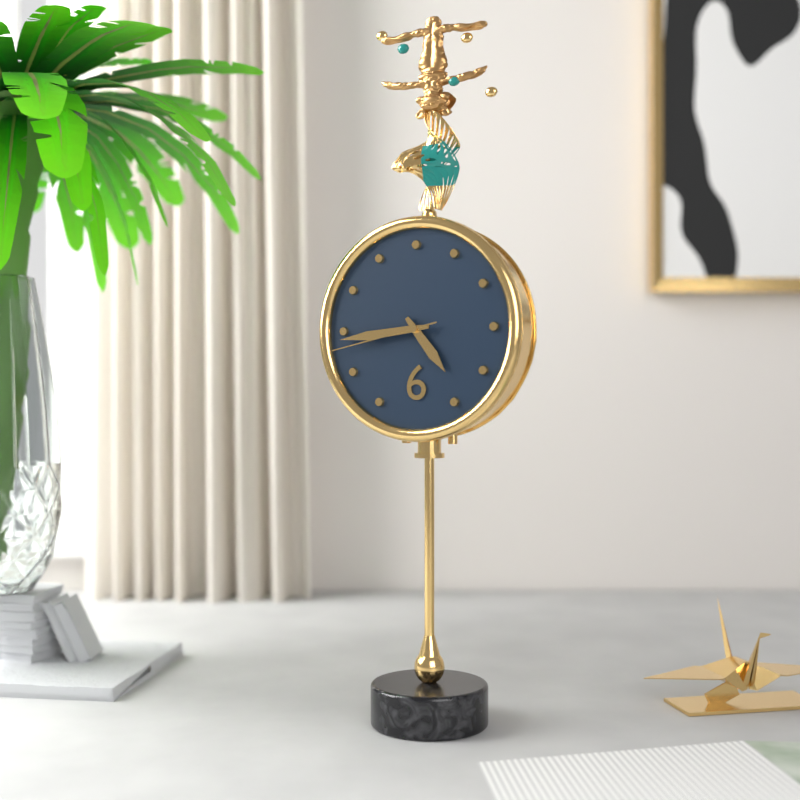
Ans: 4:44:43
